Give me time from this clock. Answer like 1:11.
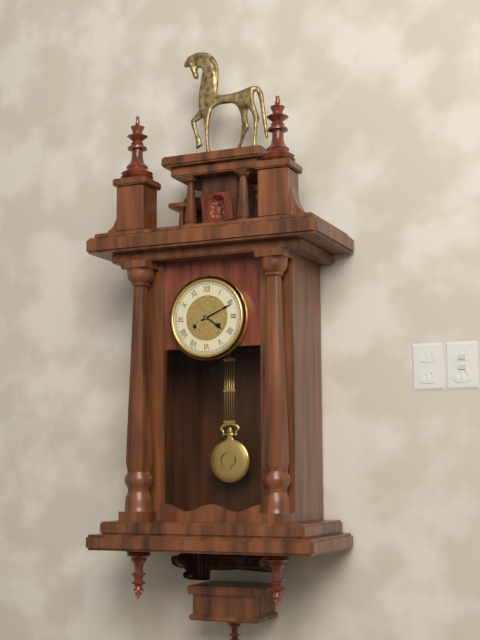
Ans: 4:11
